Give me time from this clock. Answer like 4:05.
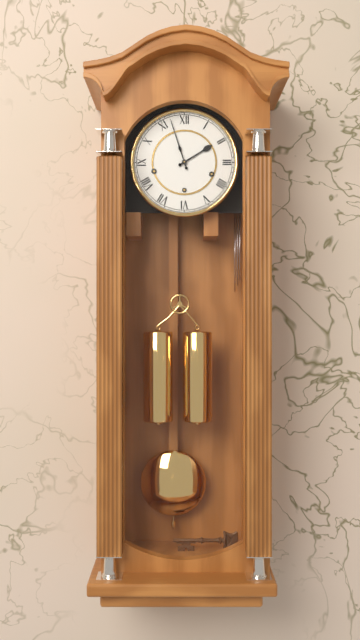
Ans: 1:57
